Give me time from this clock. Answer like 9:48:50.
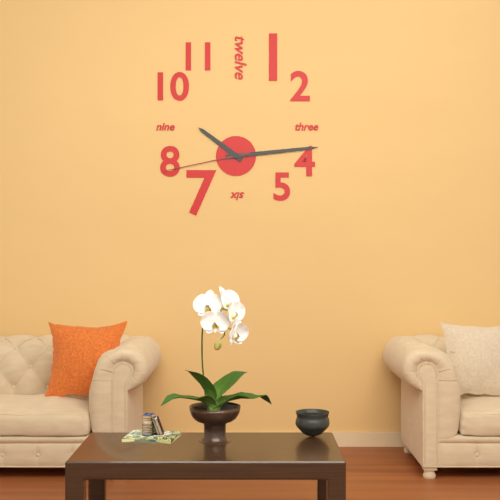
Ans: 10:14:43
